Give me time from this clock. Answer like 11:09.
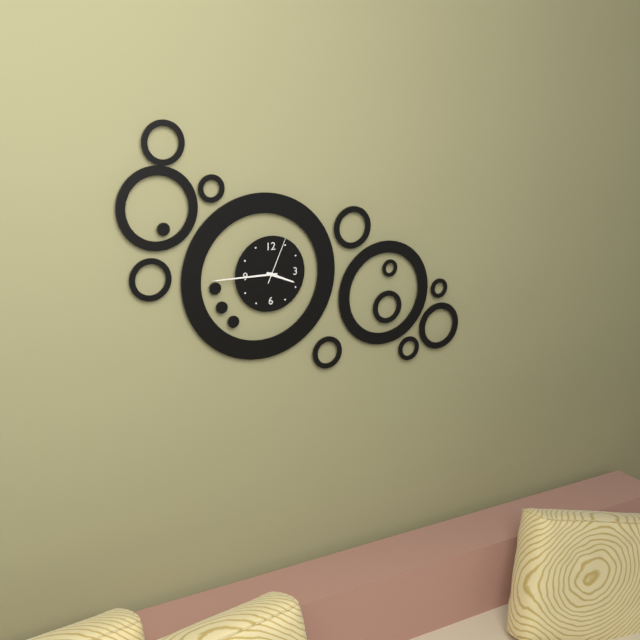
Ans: 3:45
